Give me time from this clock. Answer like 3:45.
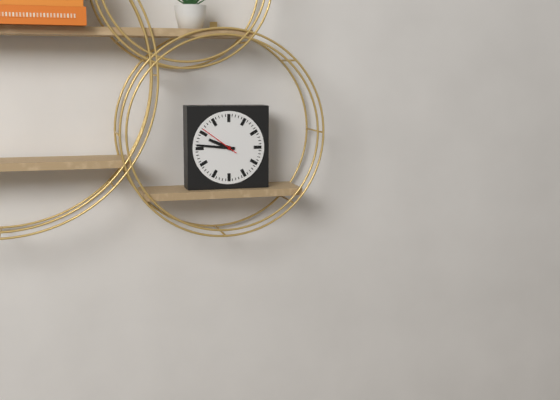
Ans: 9:46
